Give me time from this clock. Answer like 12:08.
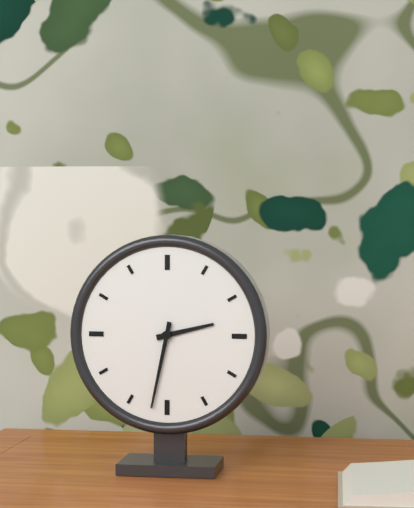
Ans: 2:32
